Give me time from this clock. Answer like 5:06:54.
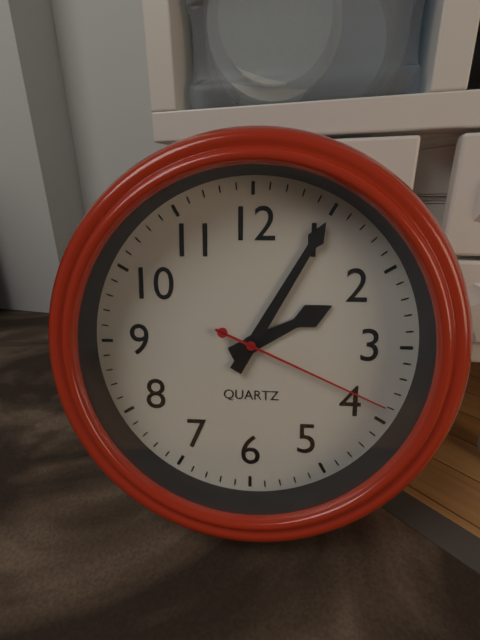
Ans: 2:05:19
